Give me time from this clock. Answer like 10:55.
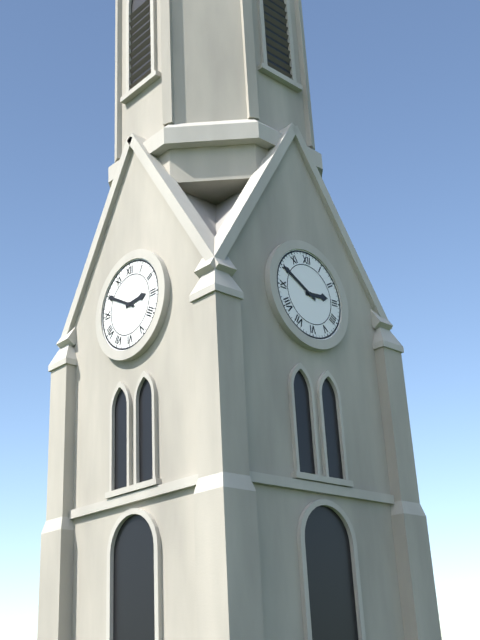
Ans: 2:50
